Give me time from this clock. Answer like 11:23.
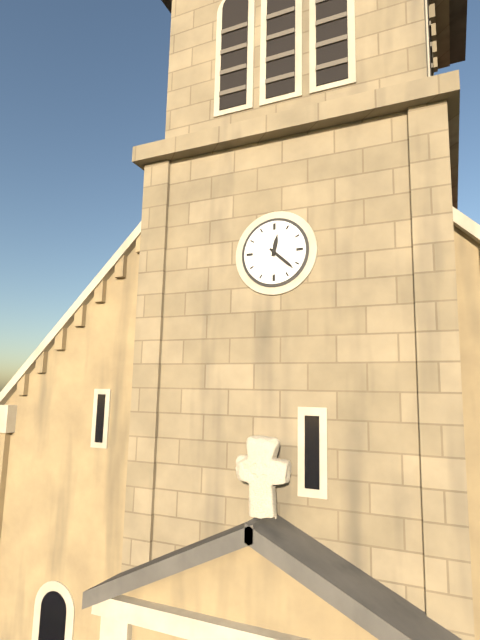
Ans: 12:22
